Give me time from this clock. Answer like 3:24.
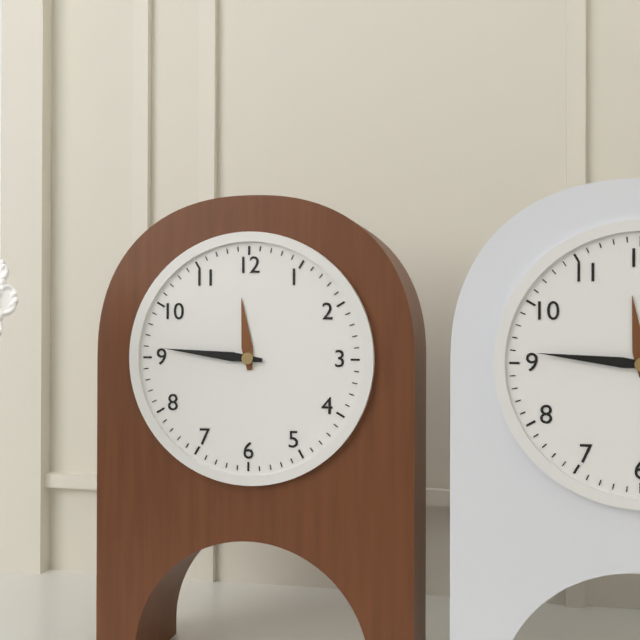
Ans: 11:46
